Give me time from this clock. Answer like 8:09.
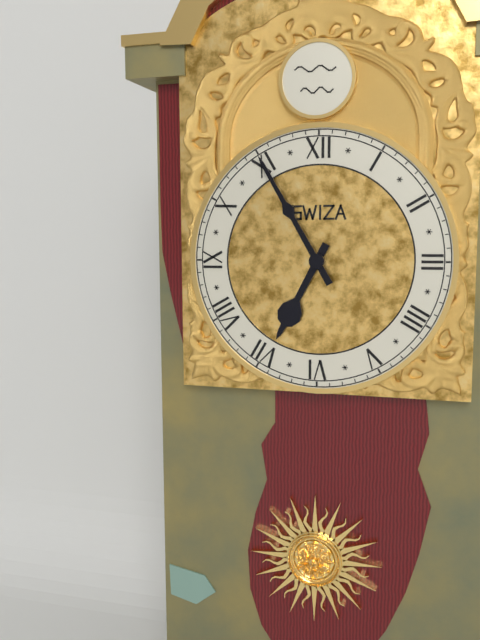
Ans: 6:55
